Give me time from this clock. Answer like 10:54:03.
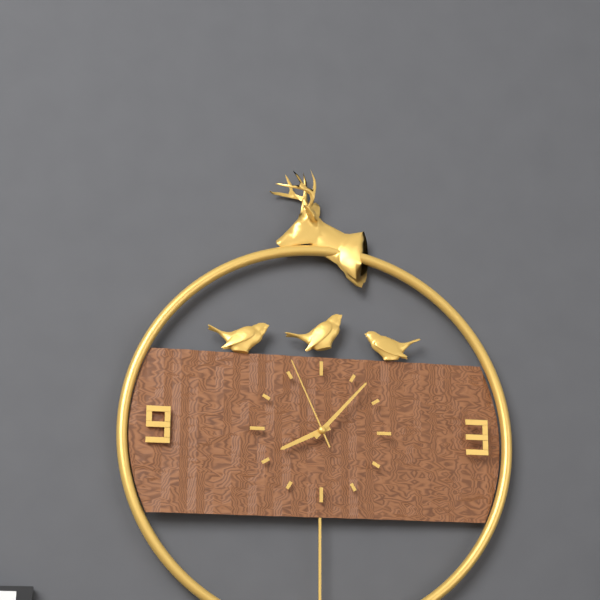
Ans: 8:07:56
